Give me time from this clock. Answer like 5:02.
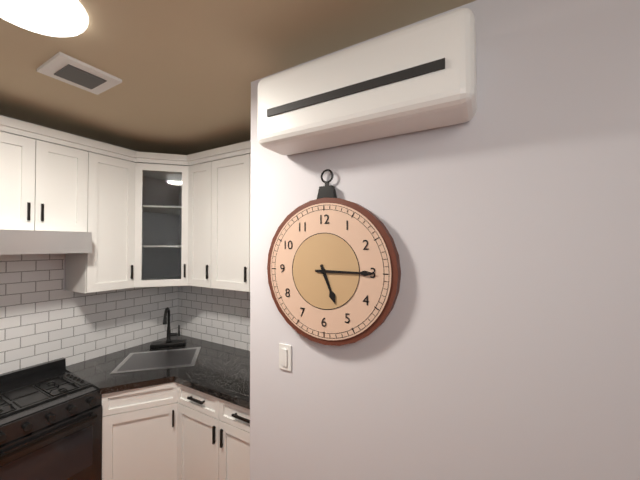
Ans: 5:15
